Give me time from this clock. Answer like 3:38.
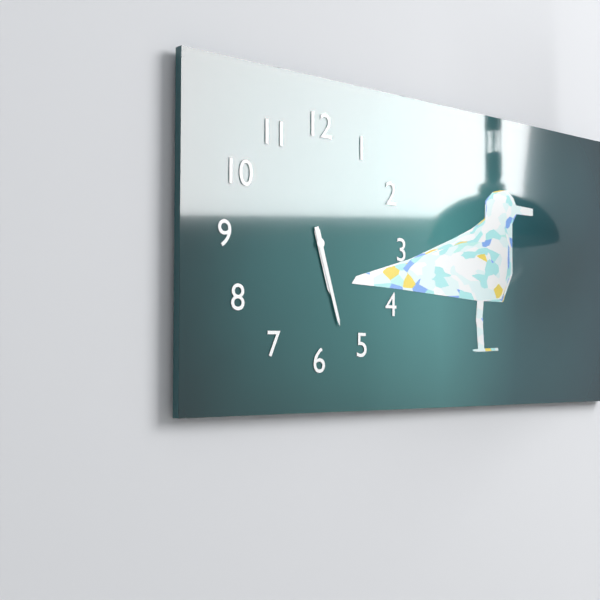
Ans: 5:27
